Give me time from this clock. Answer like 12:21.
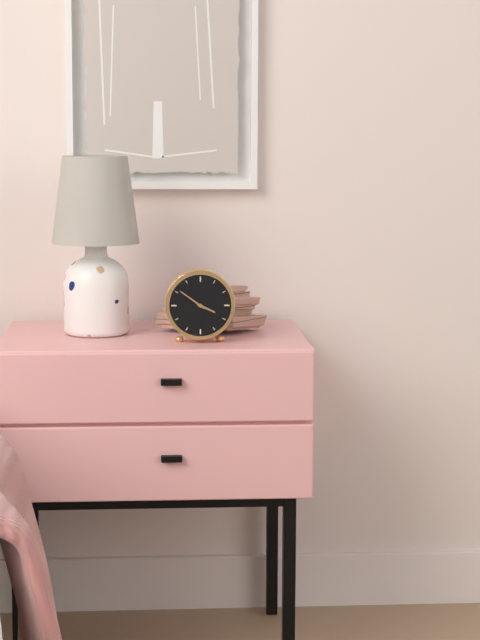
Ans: 3:51
